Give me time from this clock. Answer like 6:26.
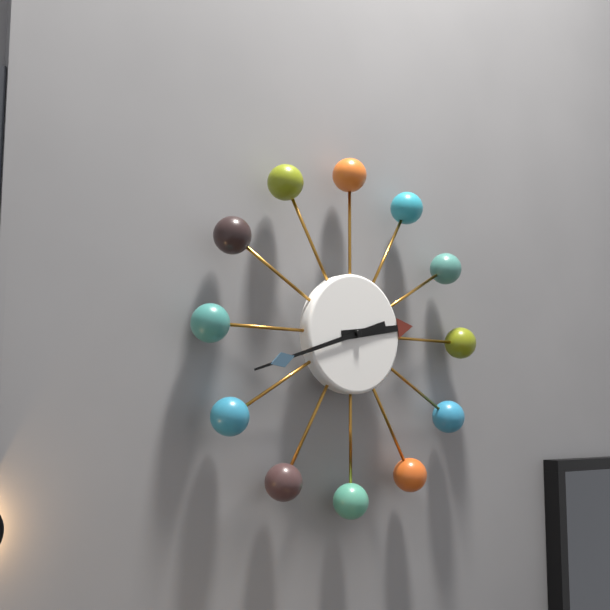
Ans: 2:42
